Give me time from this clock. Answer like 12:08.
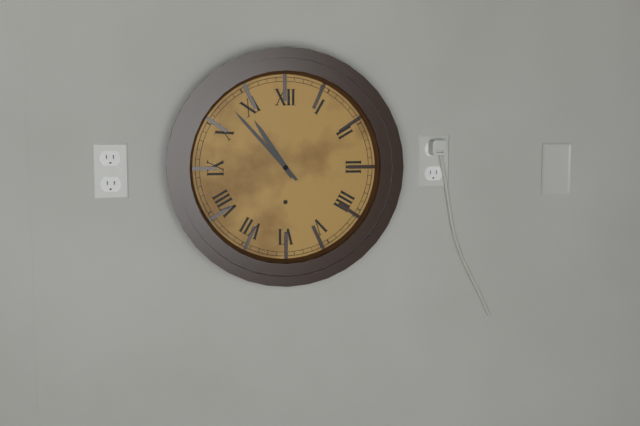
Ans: 10:53
